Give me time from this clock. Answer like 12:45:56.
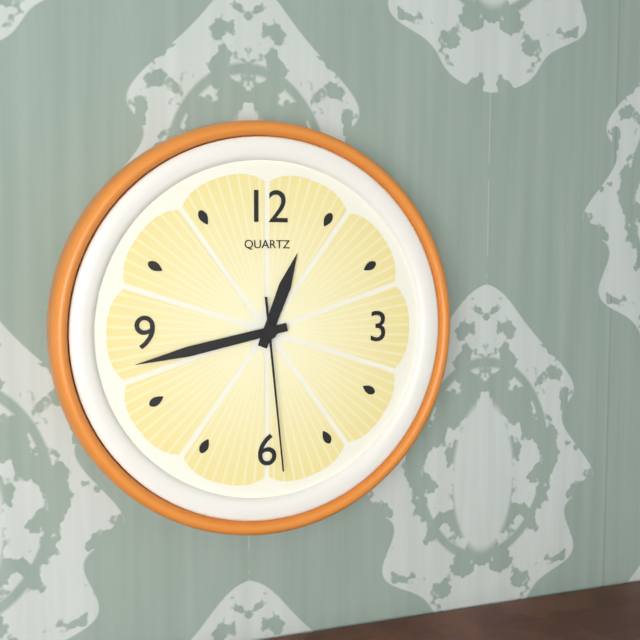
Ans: 12:43:29
